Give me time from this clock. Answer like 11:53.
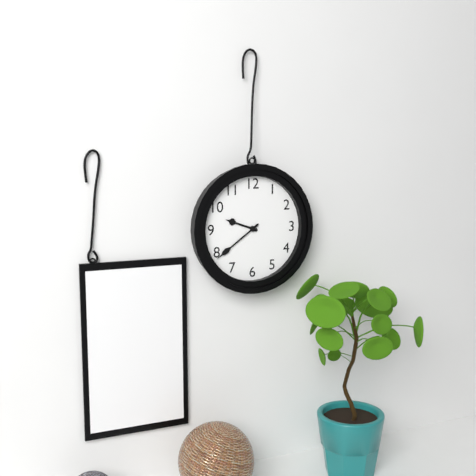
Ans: 9:39
